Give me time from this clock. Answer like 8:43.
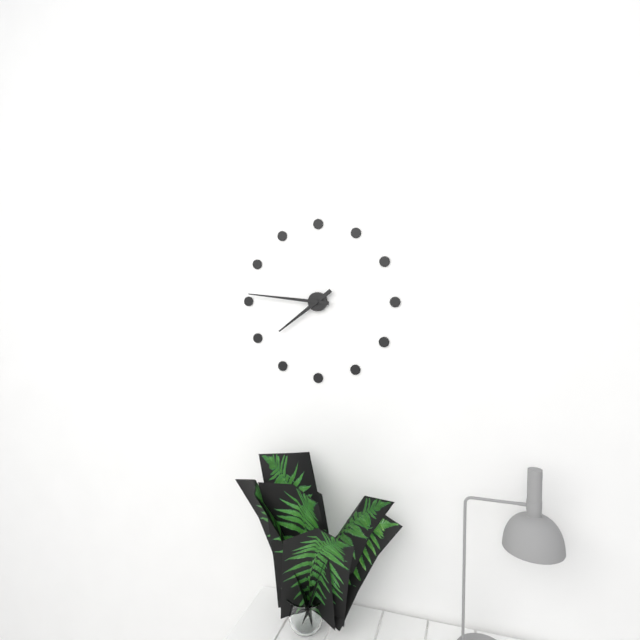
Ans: 7:46
